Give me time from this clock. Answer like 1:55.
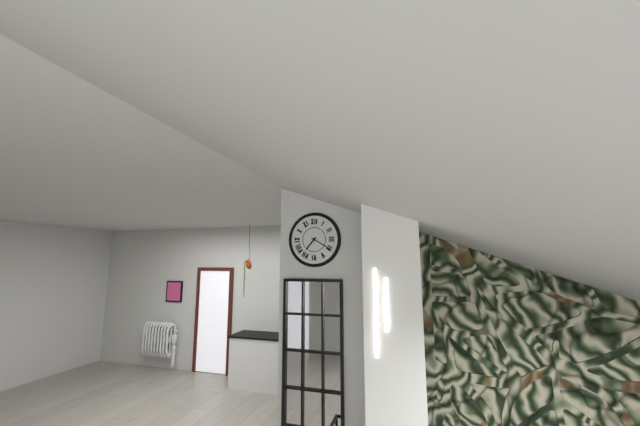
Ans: 7:20
